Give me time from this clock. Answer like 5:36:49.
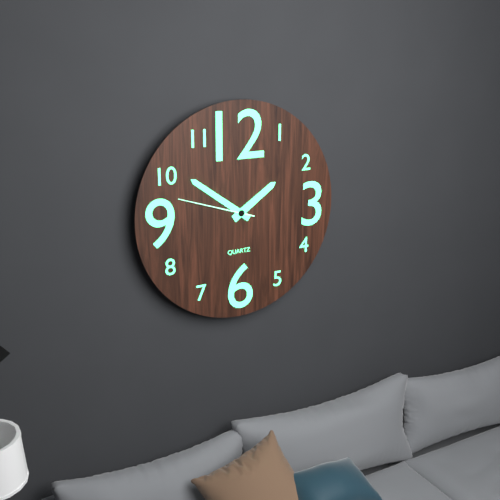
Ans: 1:51:48
